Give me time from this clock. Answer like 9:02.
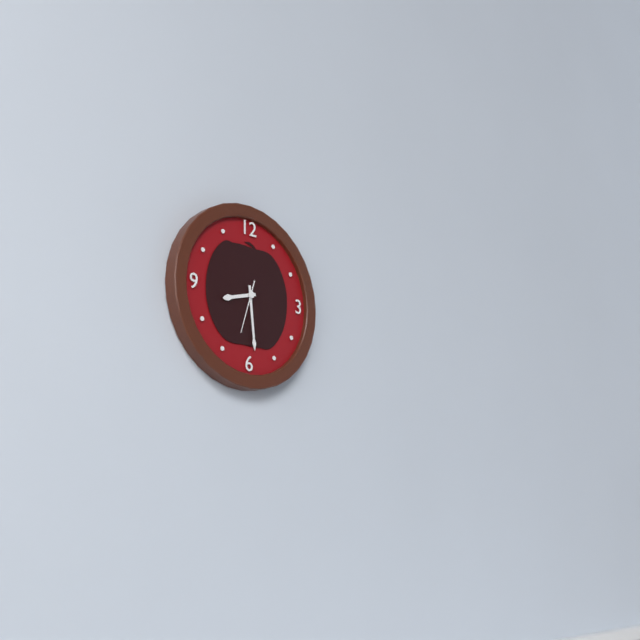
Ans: 8:29
